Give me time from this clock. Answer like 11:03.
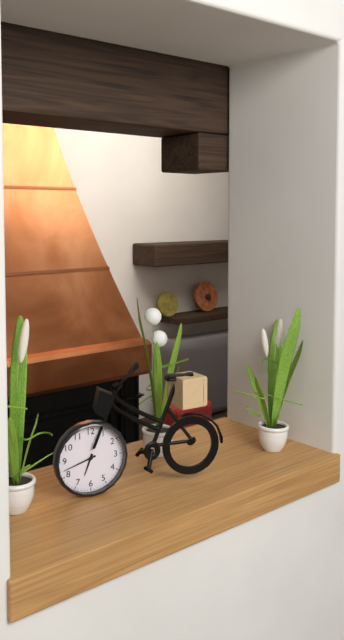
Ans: 6:42
